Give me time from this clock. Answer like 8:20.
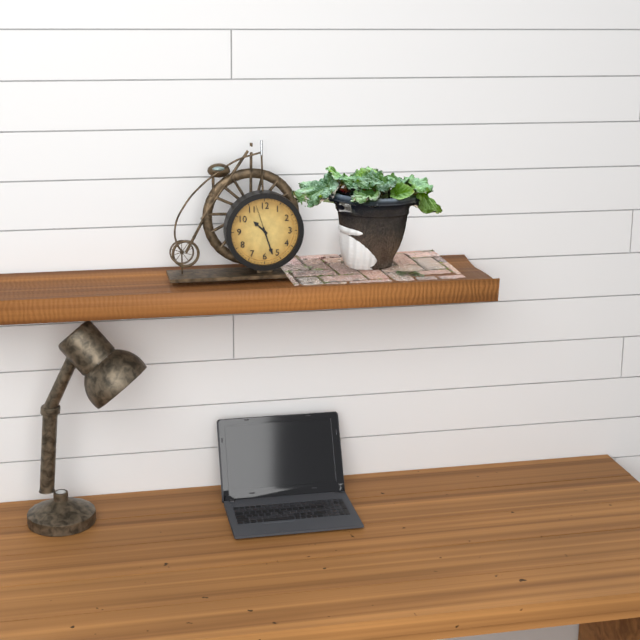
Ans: 10:27
